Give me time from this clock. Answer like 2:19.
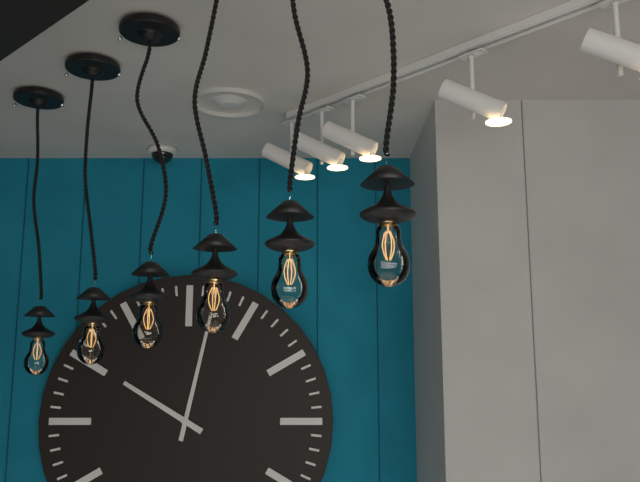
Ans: 10:02
